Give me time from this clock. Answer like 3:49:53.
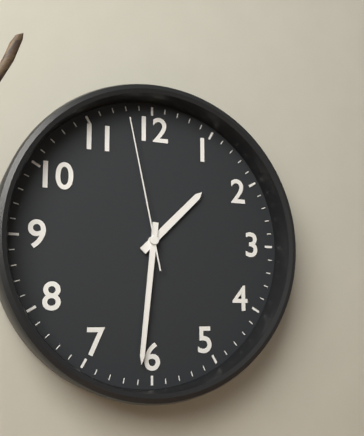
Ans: 1:31:58
